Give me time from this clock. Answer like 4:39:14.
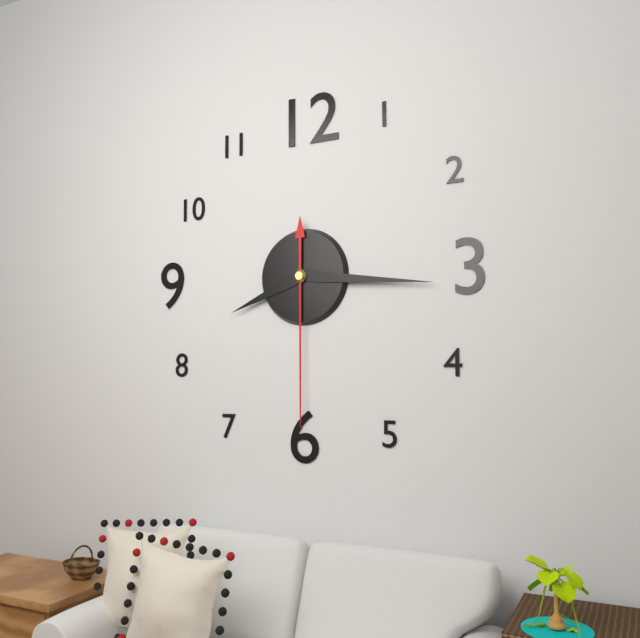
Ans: 8:16:30
